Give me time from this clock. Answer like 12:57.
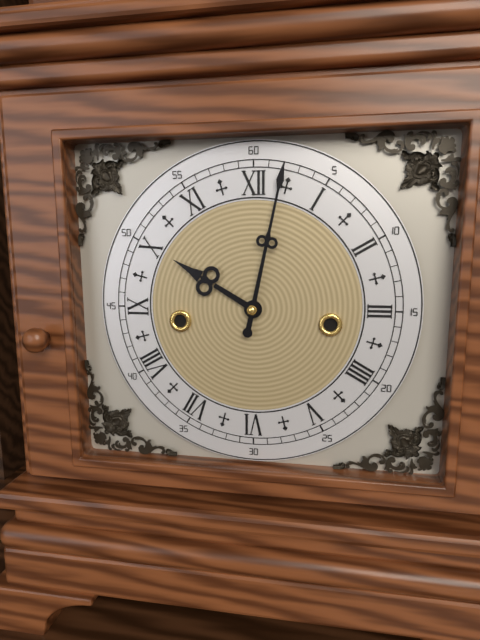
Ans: 10:02
